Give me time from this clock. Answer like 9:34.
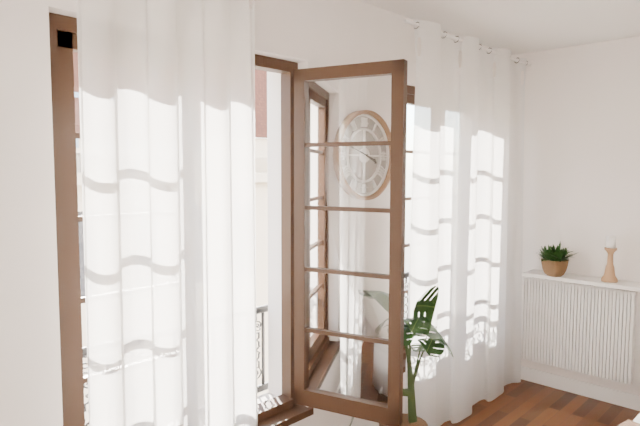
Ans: 3:48
